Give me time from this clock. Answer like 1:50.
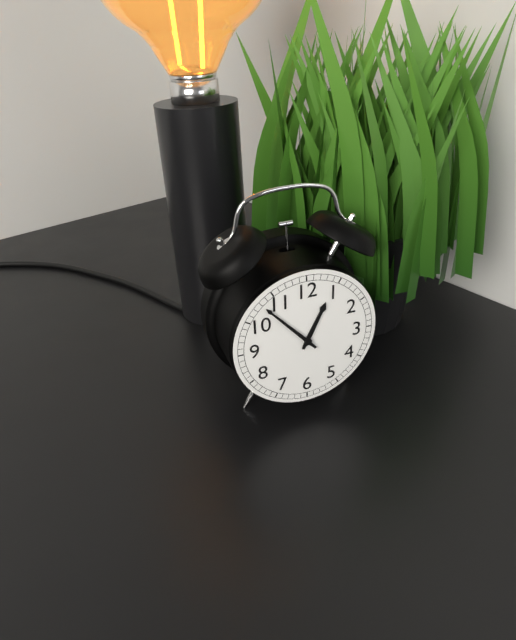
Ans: 12:53
